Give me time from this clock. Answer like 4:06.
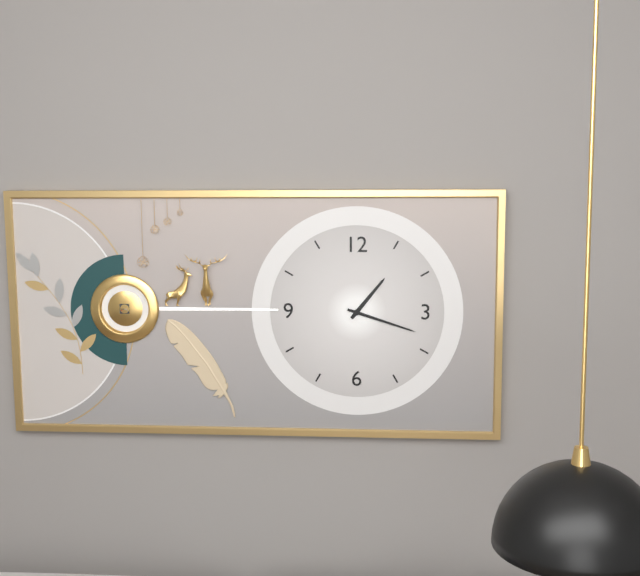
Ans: 1:18
